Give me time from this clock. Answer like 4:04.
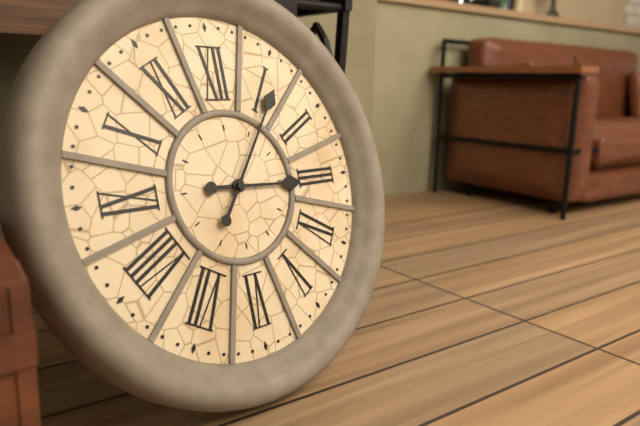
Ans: 3:06
